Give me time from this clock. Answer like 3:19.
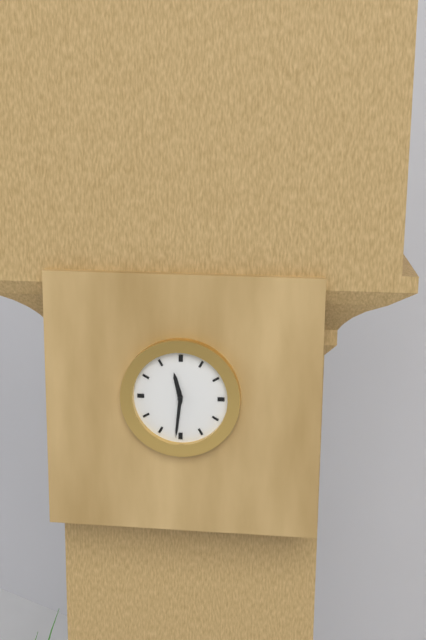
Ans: 11:31
